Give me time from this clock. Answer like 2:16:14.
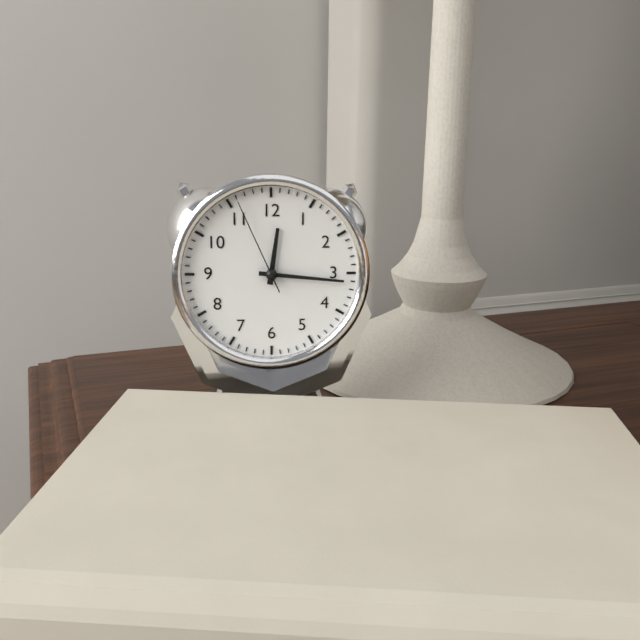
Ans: 12:16:56
